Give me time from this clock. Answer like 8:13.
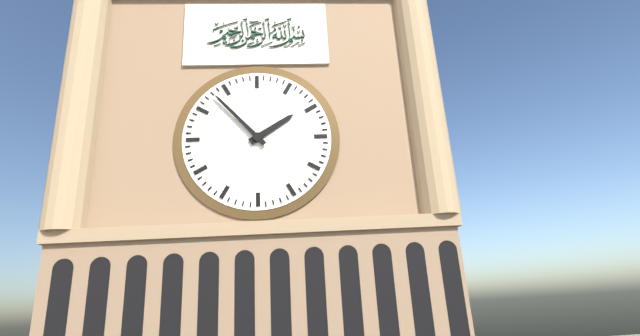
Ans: 1:53
